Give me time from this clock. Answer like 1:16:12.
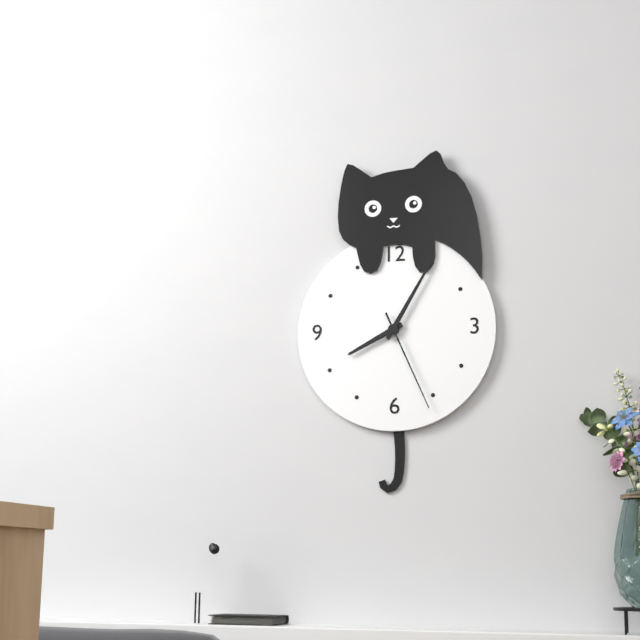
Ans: 8:05:26
